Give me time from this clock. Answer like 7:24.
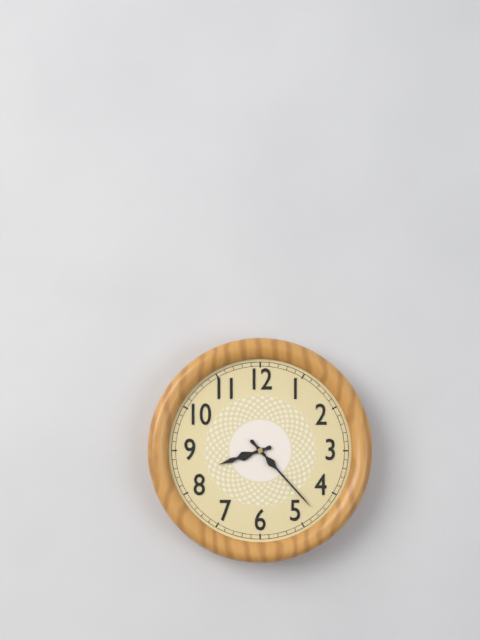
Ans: 8:23
